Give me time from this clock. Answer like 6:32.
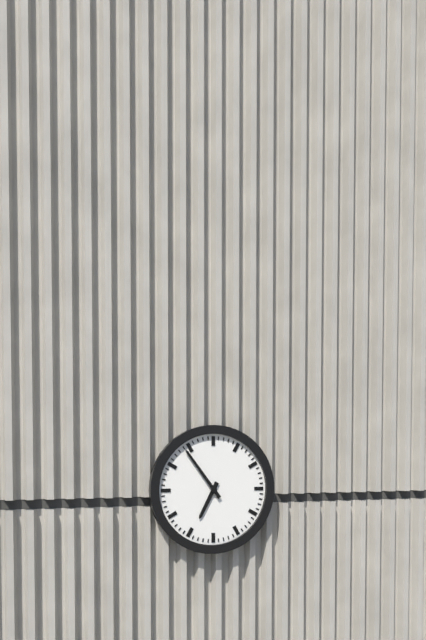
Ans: 6:54
